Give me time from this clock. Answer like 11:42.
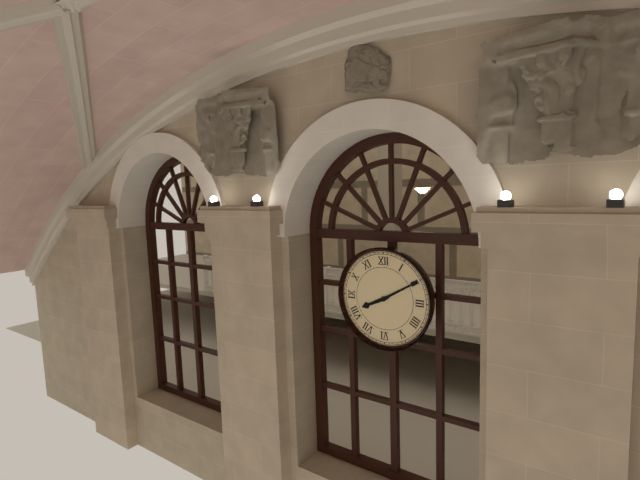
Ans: 8:10
